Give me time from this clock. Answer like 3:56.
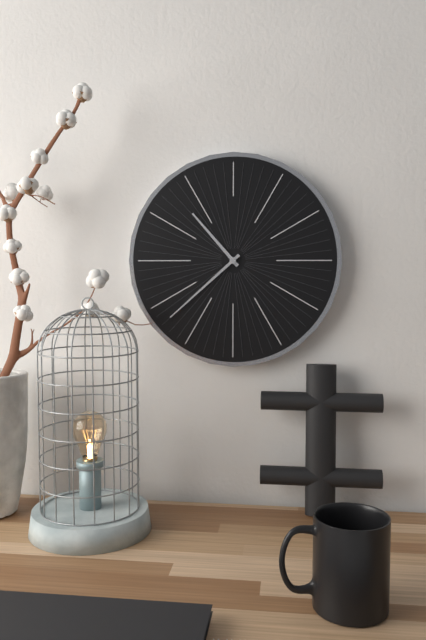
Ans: 10:38
